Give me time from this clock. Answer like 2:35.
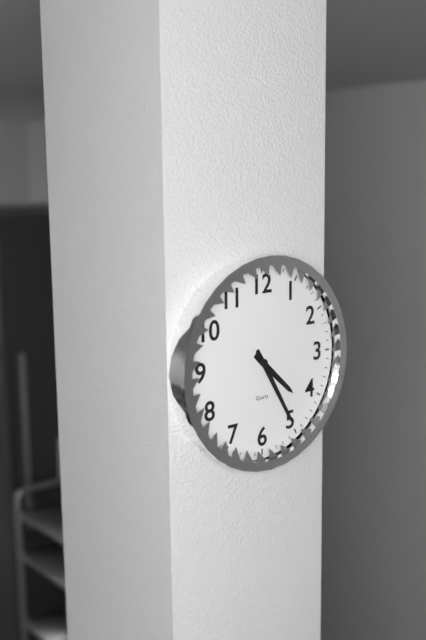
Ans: 4:25
